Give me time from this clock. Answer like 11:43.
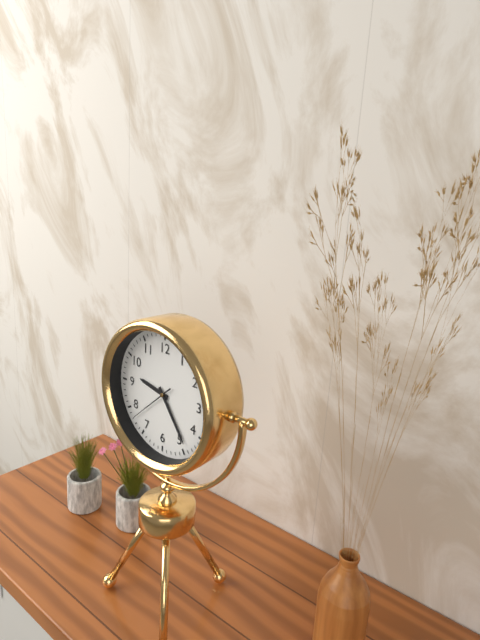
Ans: 9:24
